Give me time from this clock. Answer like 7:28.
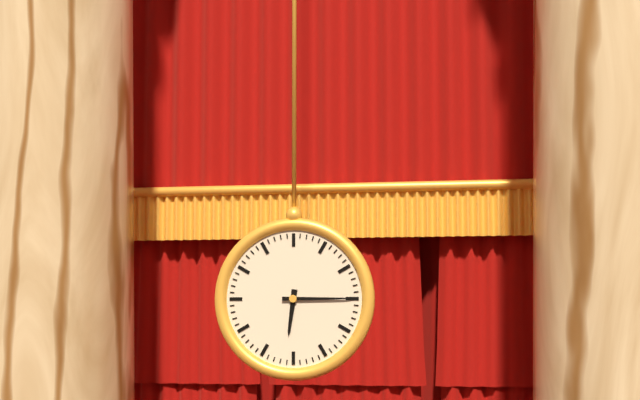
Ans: 6:15
